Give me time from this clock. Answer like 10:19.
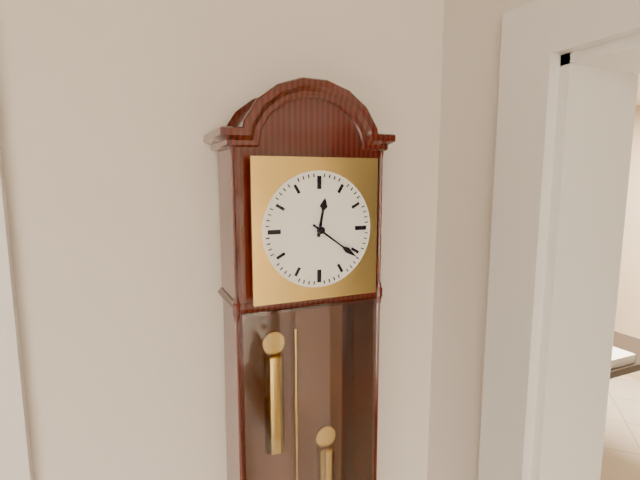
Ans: 12:21
